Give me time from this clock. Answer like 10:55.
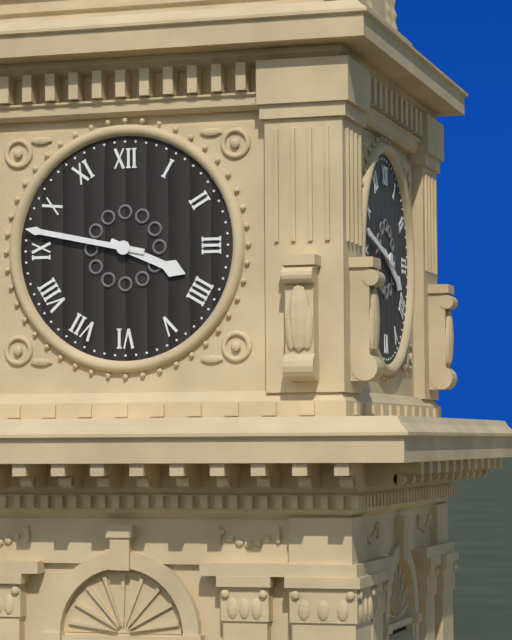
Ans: 3:47
